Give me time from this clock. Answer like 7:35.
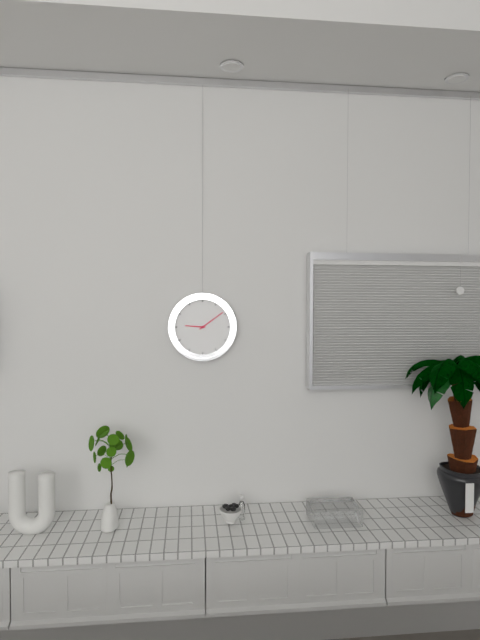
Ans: 9:09
